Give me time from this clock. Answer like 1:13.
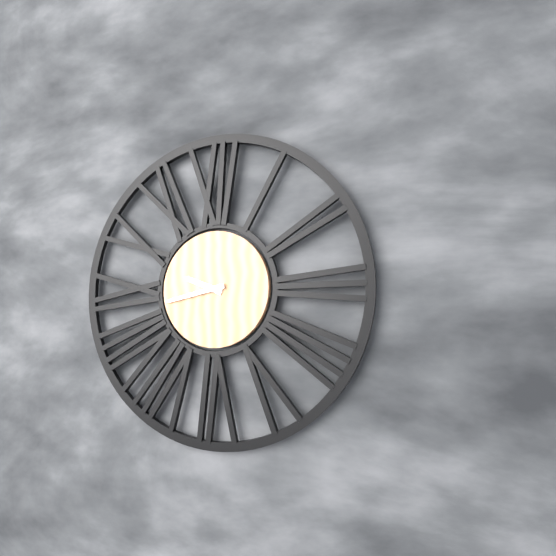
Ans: 9:43
